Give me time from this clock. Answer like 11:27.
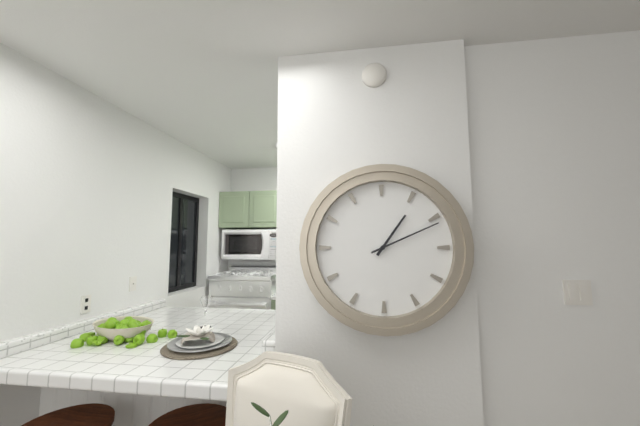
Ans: 1:11
